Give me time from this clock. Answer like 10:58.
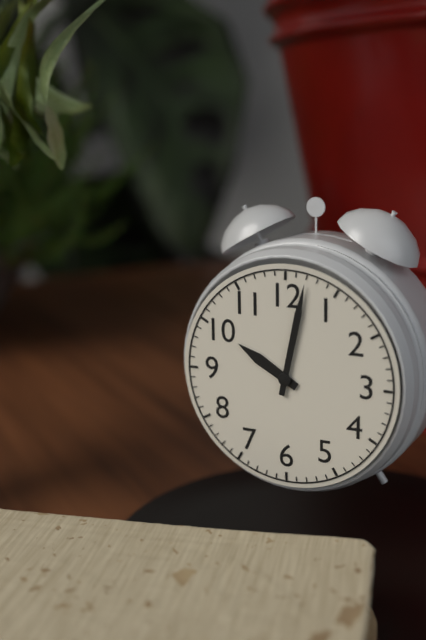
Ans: 10:02
